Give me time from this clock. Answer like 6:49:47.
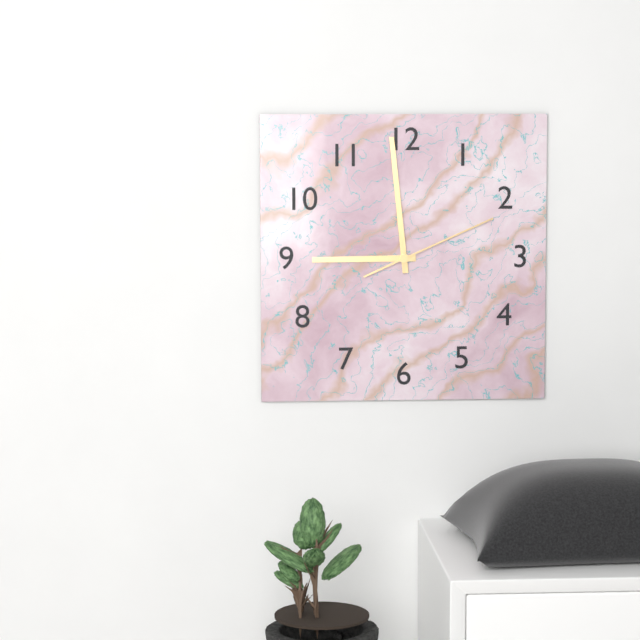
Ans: 8:59:11
